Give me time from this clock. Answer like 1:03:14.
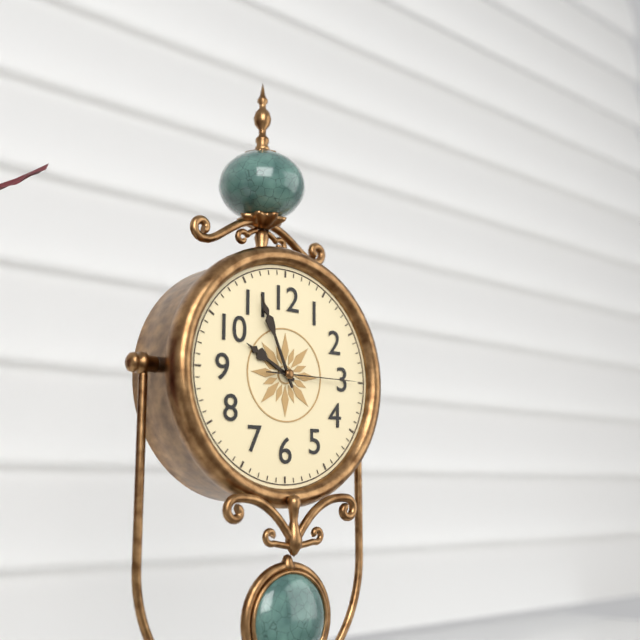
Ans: 9:56:15
